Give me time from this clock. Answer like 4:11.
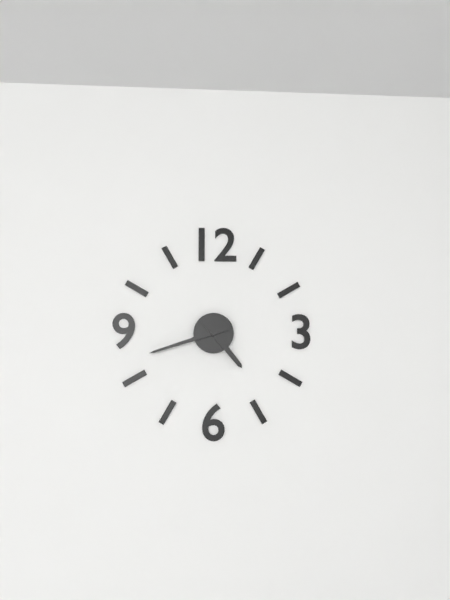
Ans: 4:42
